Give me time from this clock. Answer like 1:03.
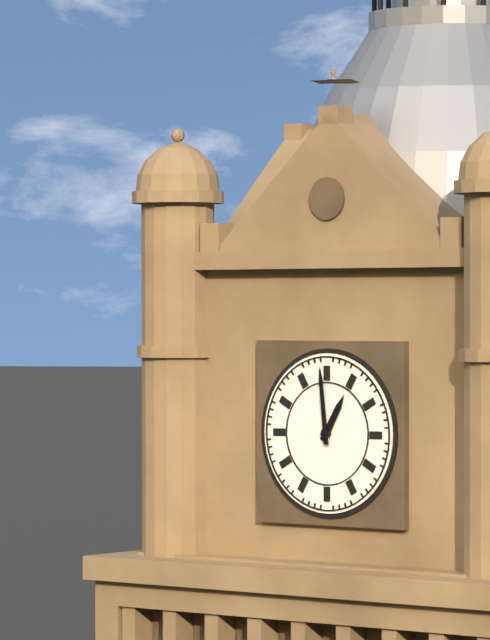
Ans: 12:59
